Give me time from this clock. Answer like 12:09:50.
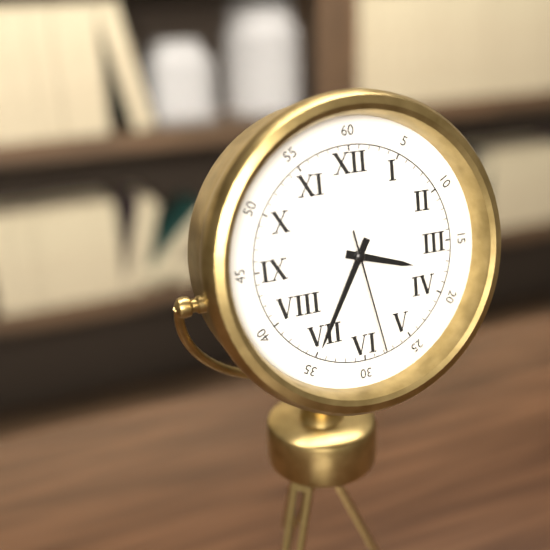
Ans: 3:35:28
